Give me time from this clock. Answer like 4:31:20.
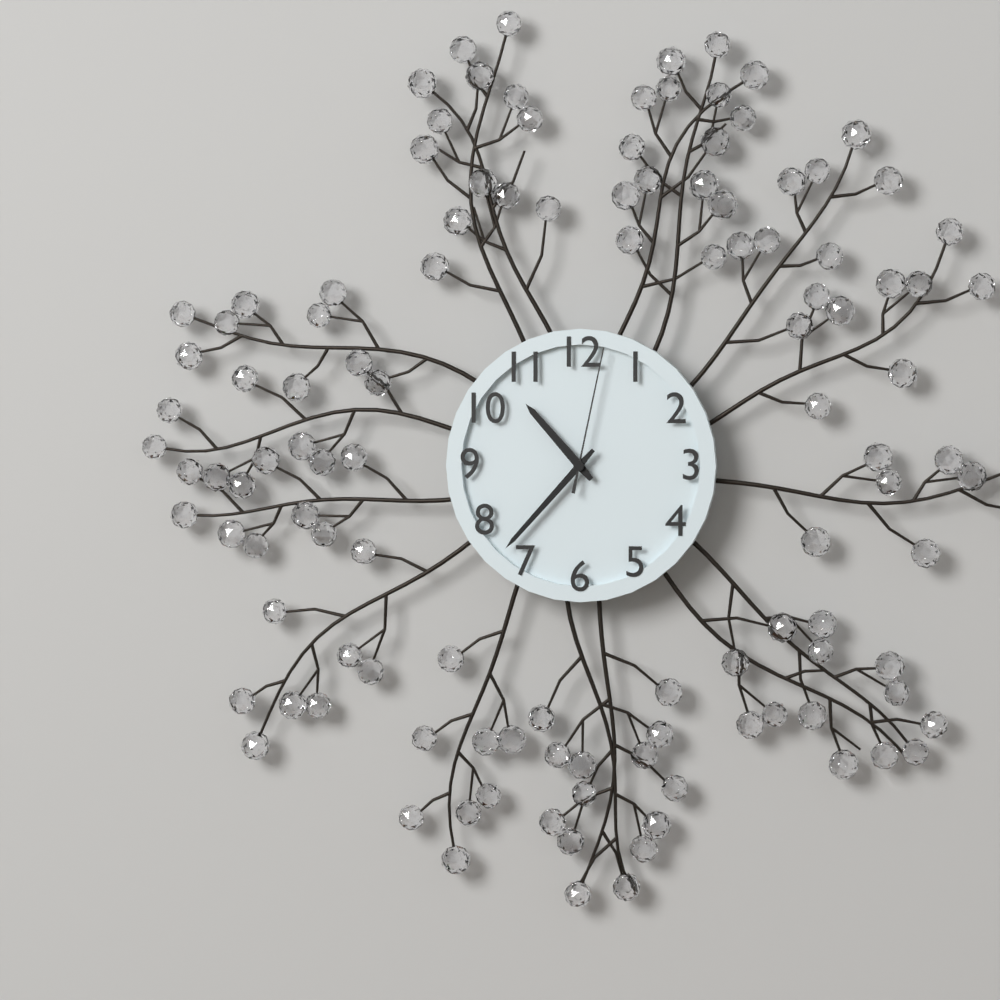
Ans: 10:37:02
